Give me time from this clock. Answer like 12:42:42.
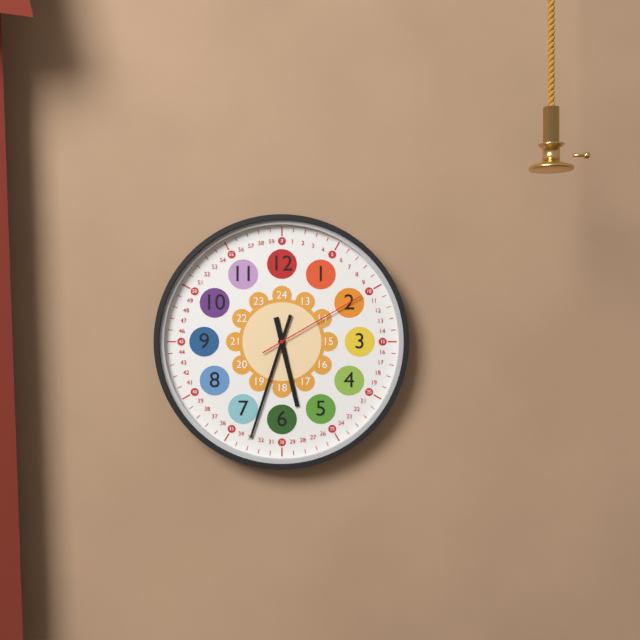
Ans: 5:33:10
